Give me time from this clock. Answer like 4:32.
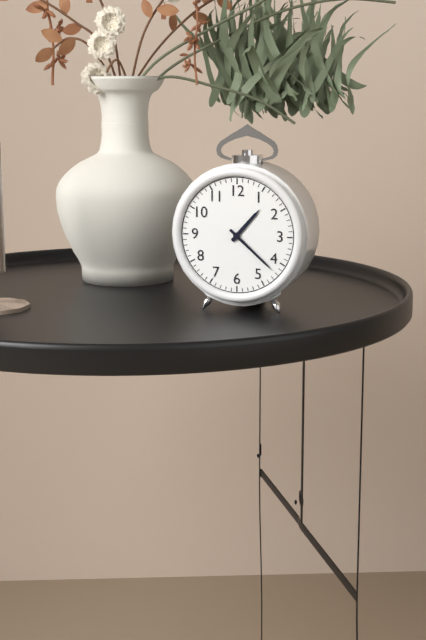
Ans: 1:22
